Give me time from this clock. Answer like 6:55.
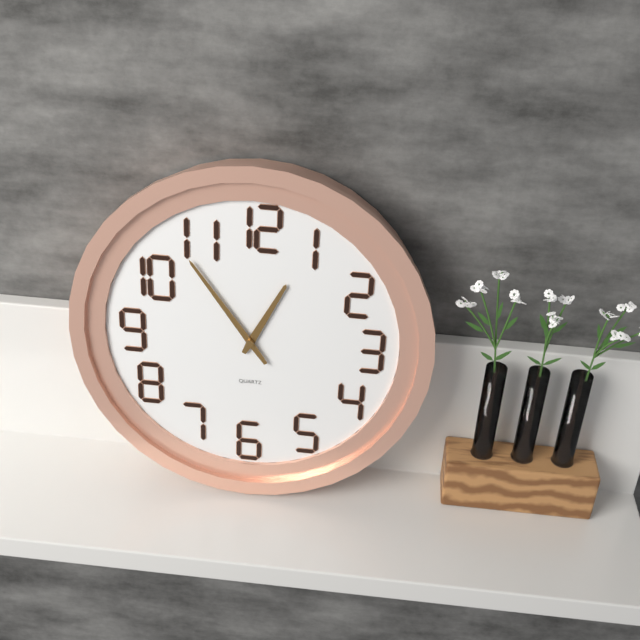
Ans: 12:54
